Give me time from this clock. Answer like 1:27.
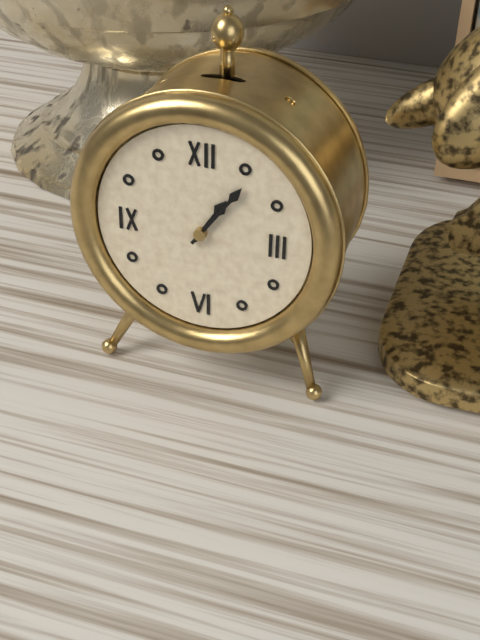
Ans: 1:06
